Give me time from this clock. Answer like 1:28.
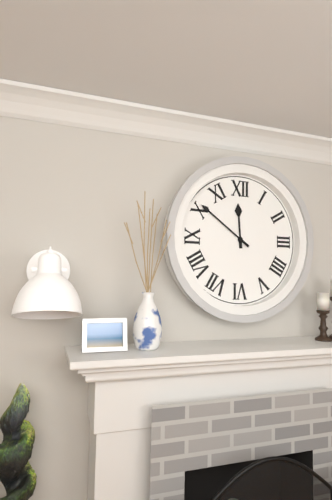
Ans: 11:51
